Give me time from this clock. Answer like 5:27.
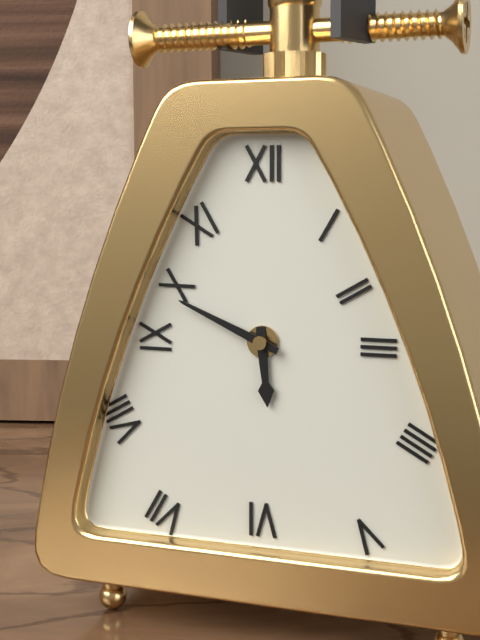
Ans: 5:49
